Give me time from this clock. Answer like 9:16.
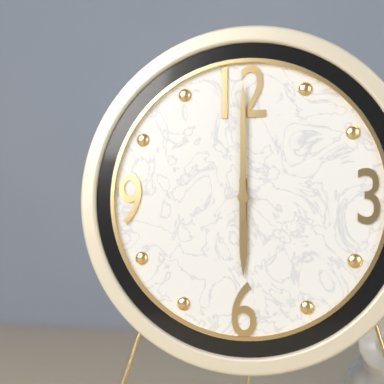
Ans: 6:00
